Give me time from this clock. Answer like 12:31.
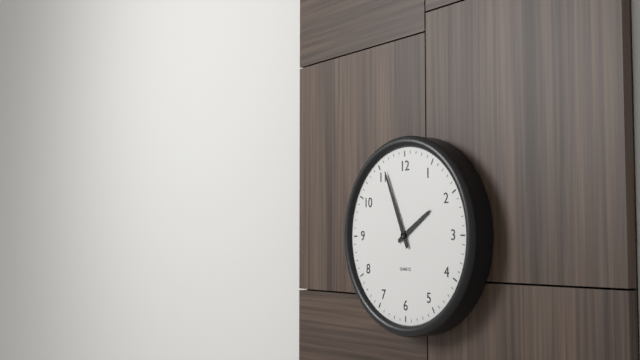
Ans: 1:56
